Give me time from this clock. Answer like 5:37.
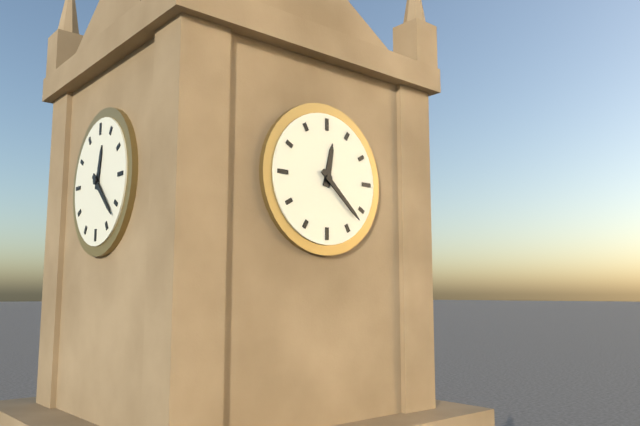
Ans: 12:22
